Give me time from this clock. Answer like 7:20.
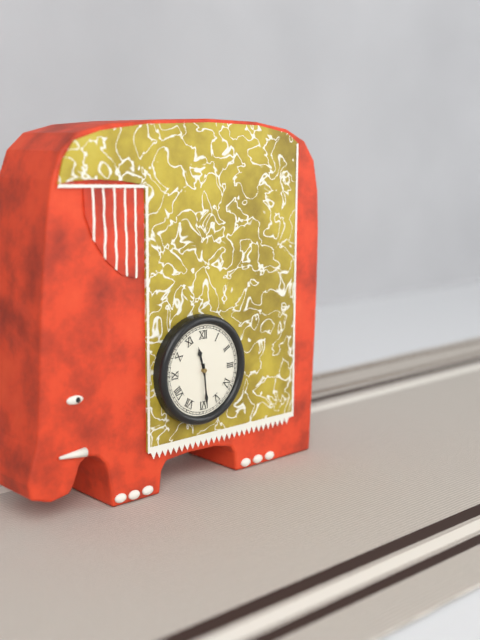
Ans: 11:29
